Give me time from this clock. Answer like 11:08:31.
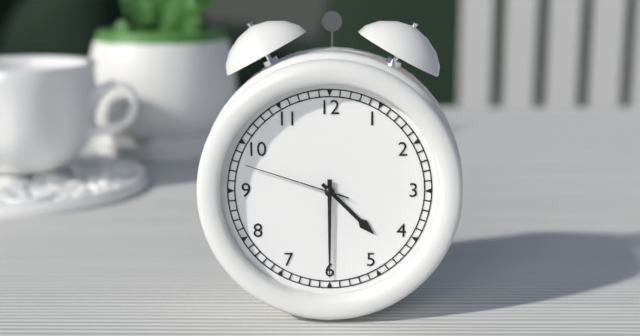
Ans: 4:30:48
